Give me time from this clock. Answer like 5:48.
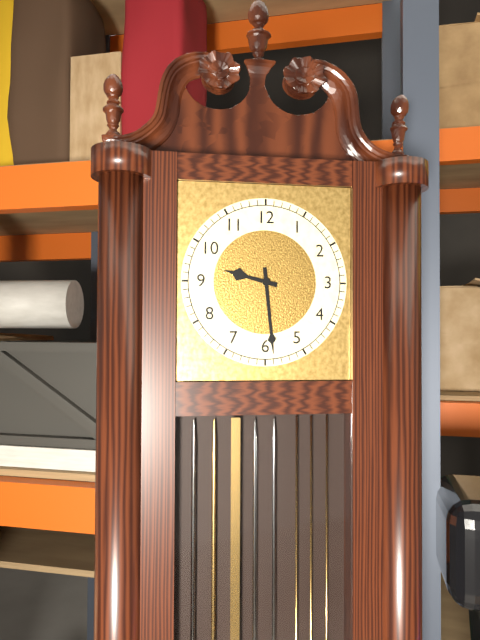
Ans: 9:29
